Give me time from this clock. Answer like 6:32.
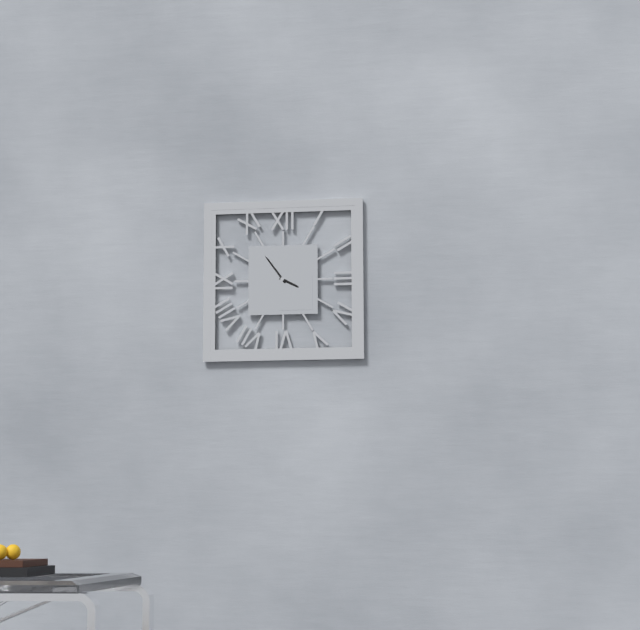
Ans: 3:54
